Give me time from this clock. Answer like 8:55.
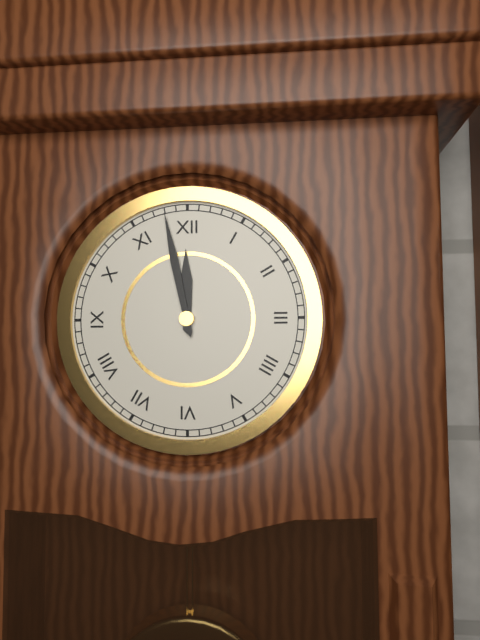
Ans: 11:58
